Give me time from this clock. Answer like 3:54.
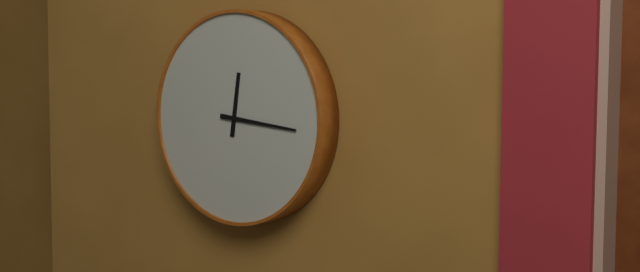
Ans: 12:16
